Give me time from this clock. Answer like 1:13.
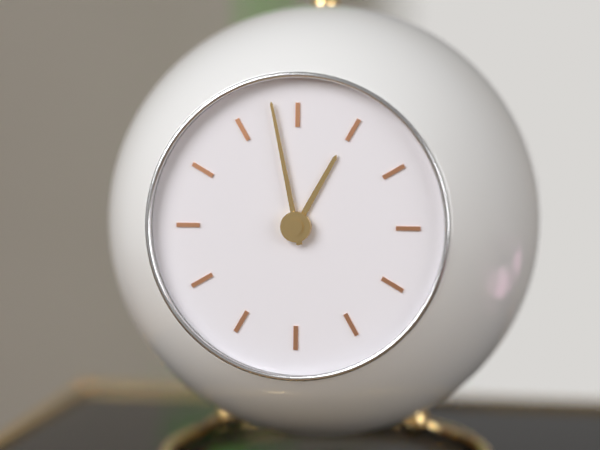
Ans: 12:58
